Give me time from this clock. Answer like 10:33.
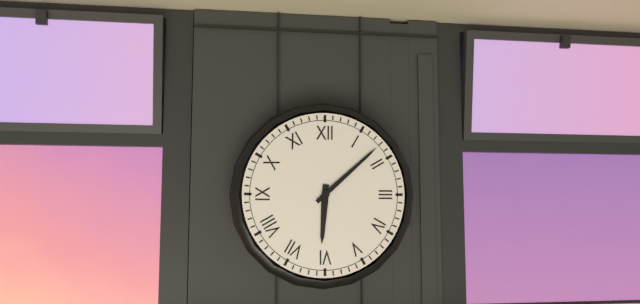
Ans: 6:08
